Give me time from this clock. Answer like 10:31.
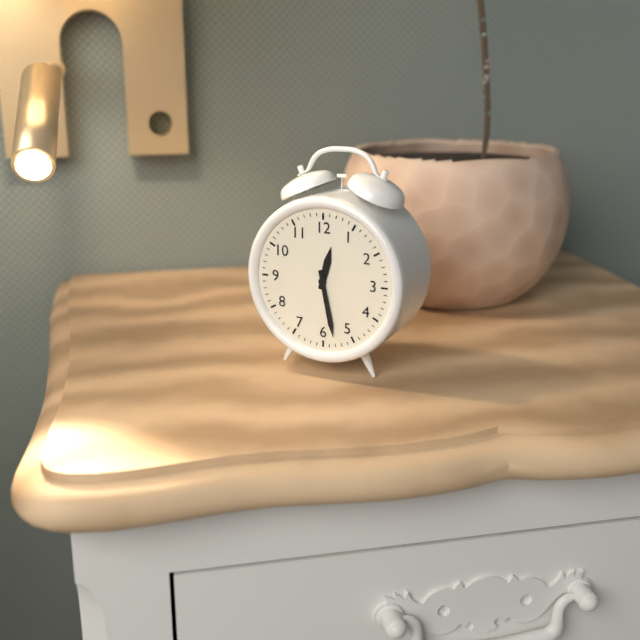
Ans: 12:28
